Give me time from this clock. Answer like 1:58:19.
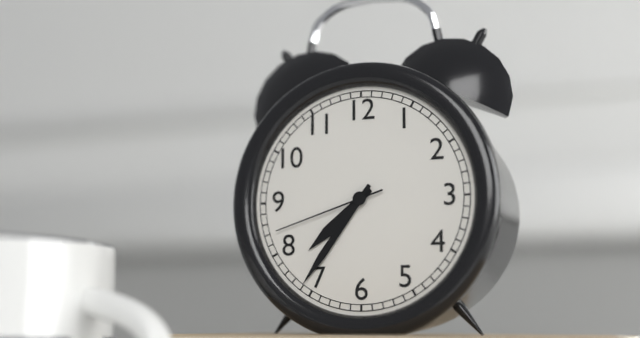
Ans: 7:36:42
